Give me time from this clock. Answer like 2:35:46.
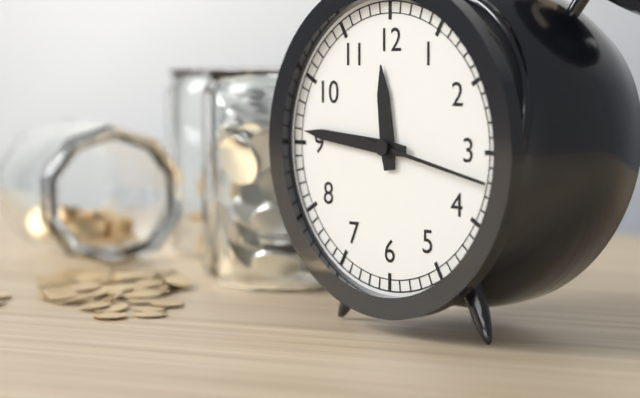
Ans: 11:46:17
